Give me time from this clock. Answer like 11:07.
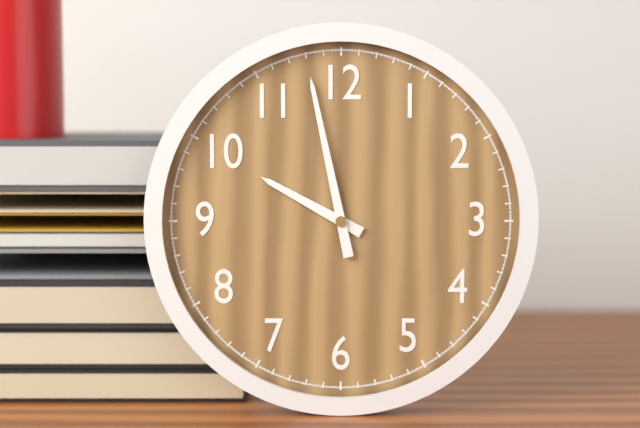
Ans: 9:58
